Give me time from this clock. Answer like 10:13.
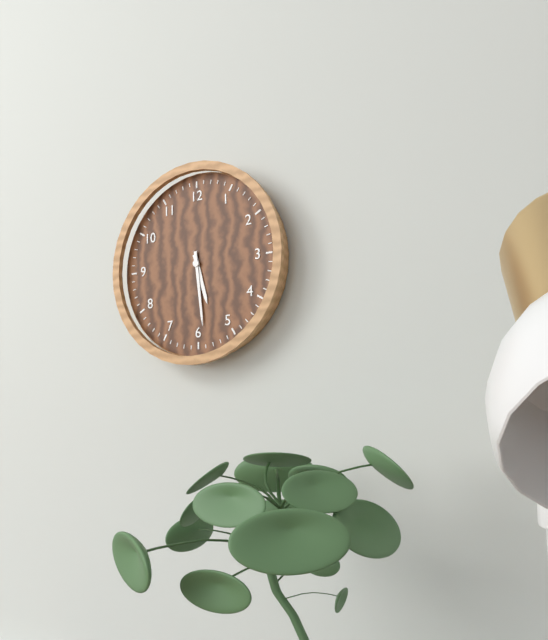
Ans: 5:29
